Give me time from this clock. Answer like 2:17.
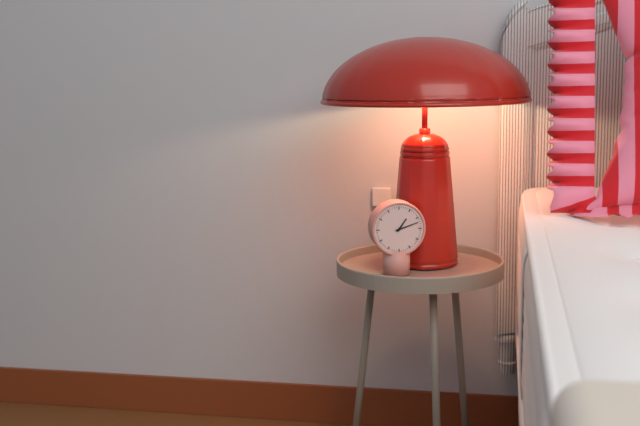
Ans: 1:12
